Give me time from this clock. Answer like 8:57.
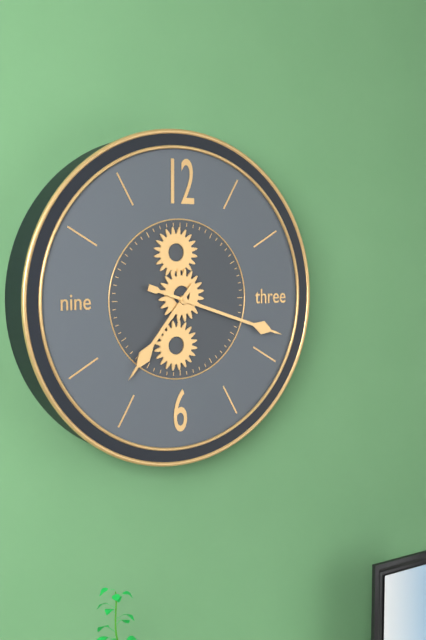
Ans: 7:18
